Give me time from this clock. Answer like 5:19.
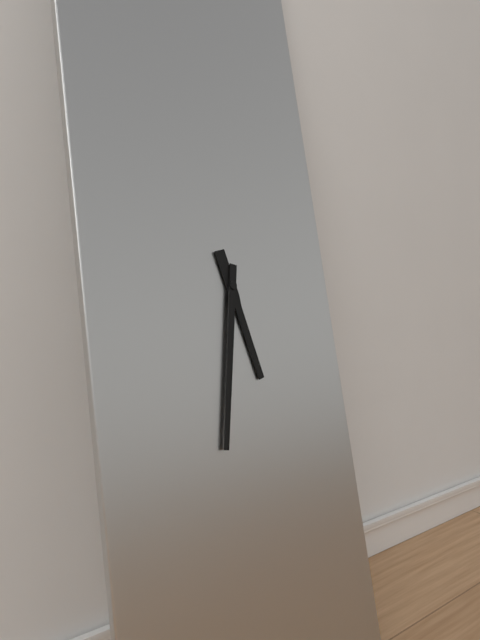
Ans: 5:32
